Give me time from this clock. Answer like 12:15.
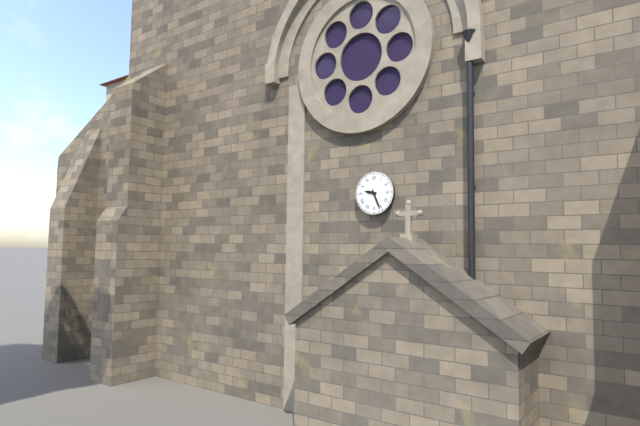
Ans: 9:26
